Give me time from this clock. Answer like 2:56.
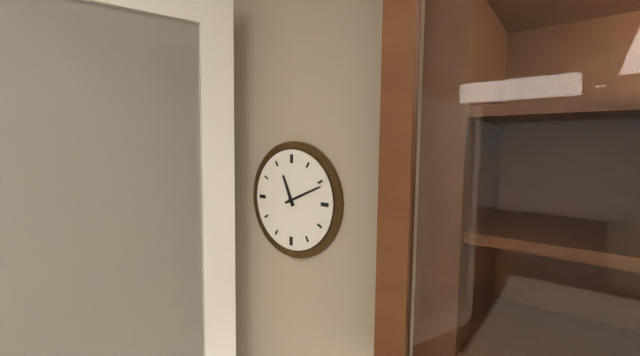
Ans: 11:11
